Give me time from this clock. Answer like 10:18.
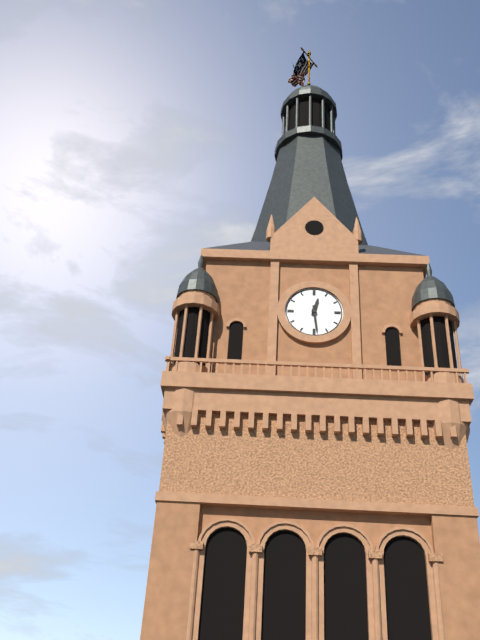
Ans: 12:29
